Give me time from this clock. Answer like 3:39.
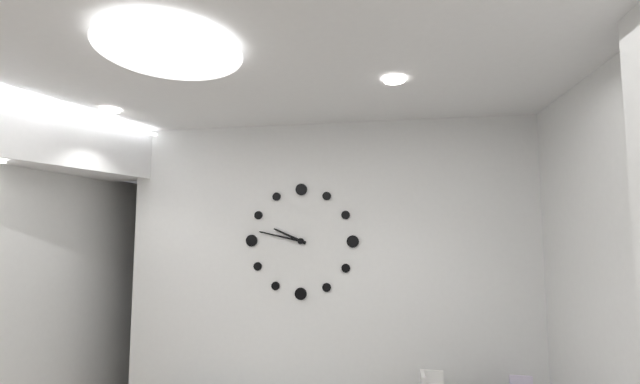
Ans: 9:47
